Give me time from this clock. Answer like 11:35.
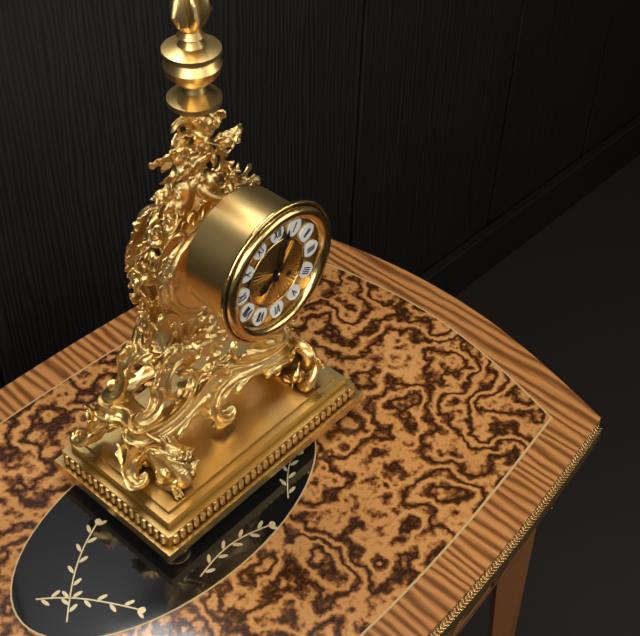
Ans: 8:03
